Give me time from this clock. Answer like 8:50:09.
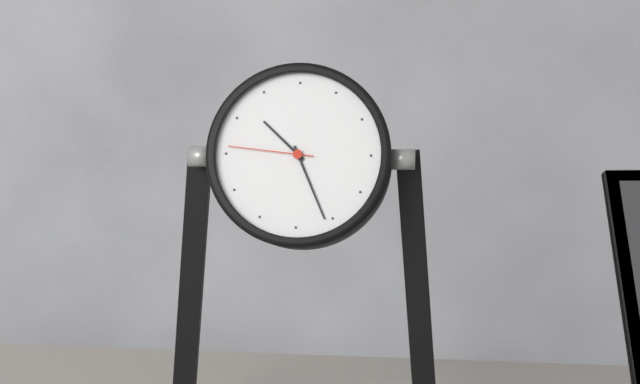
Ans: 10:26:46
